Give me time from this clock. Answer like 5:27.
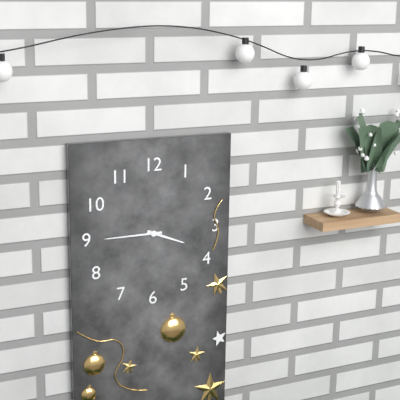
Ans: 3:45
